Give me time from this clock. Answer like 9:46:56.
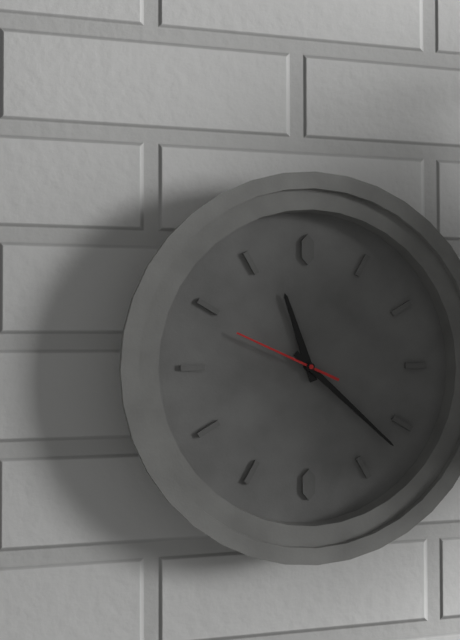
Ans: 11:22:49
